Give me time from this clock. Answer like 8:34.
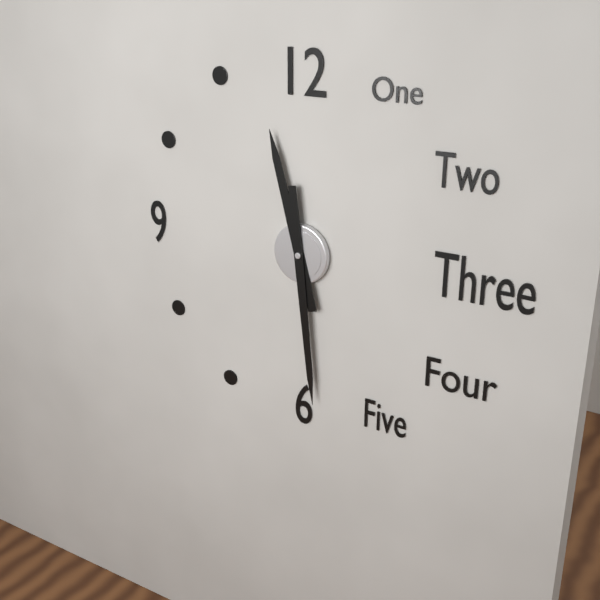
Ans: 11:29
